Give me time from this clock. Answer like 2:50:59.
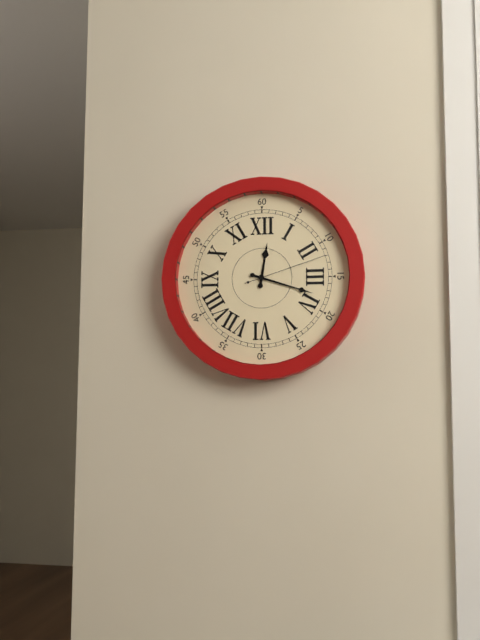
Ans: 12:18:12
